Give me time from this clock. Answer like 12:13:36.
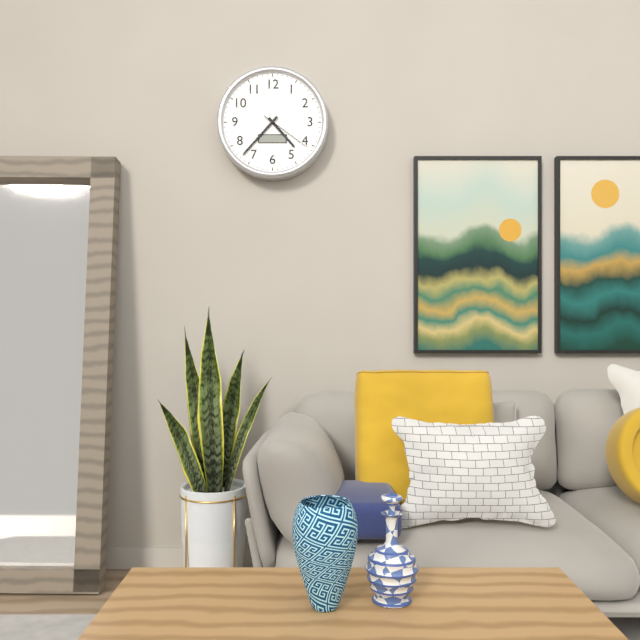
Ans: 4:37:21
